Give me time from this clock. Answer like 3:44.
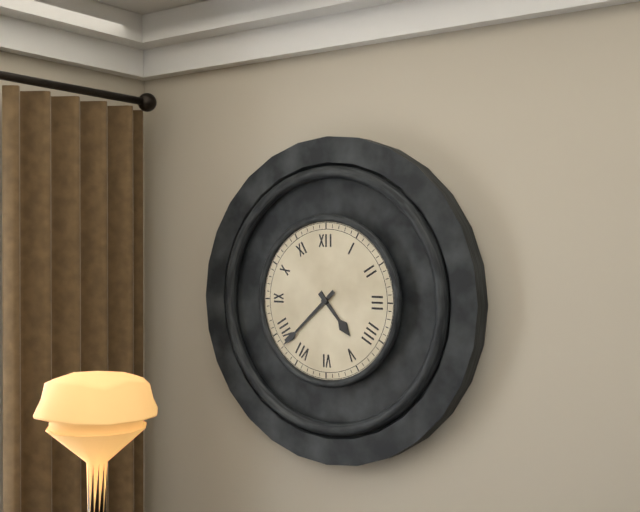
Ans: 4:38
